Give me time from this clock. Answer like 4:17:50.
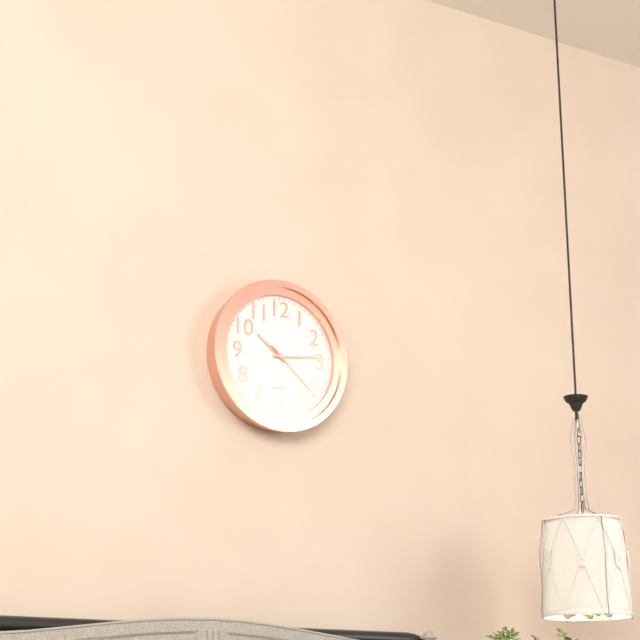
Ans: 10:14:22
